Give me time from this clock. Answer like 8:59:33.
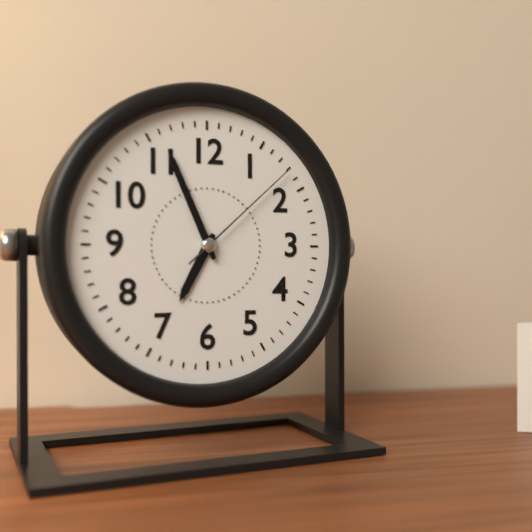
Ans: 6:56:08
